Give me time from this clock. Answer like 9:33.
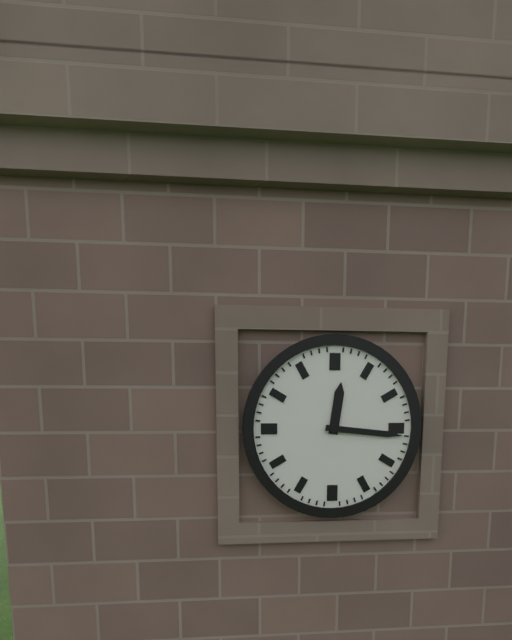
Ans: 12:16
